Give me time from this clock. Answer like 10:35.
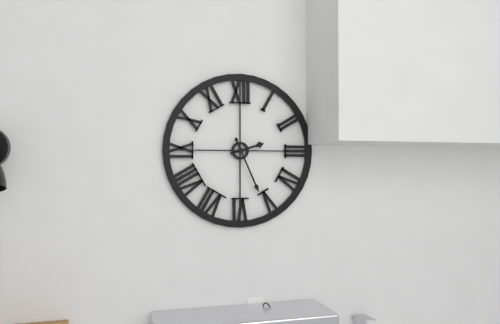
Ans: 2:26
